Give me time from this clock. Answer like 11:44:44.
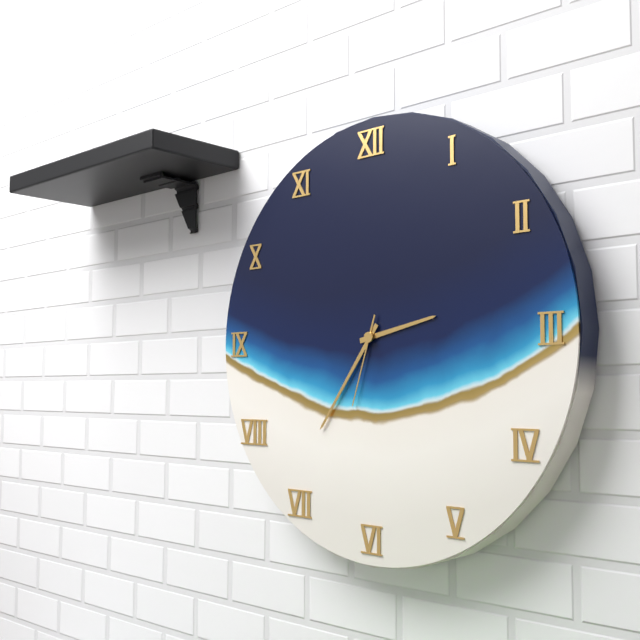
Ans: 2:36:33
